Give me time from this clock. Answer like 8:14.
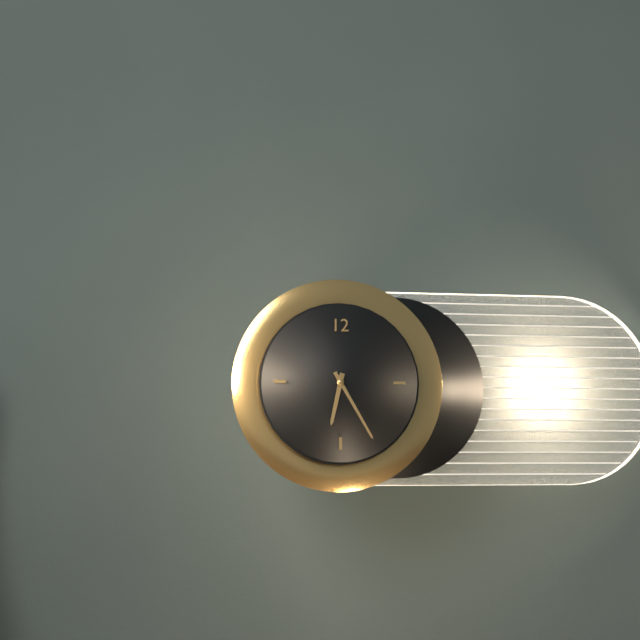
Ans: 6:25
